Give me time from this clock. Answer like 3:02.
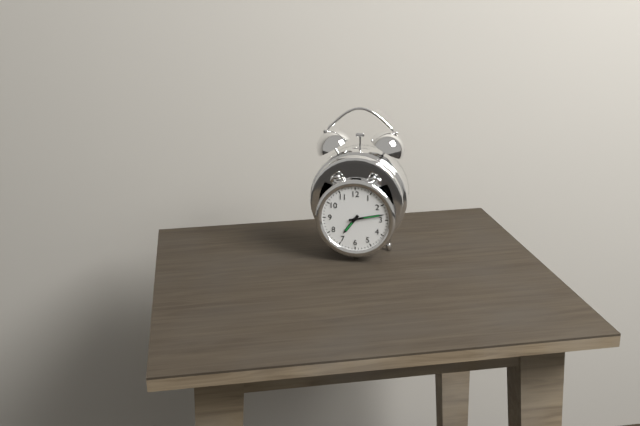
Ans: 7:13
